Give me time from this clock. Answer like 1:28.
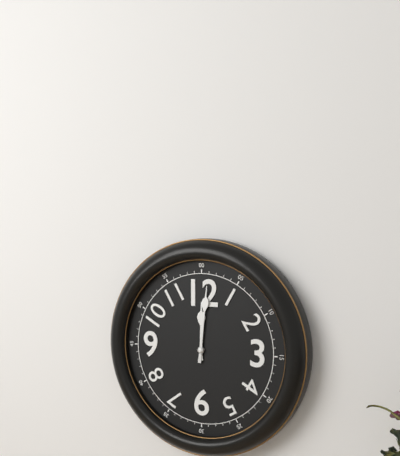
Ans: 12:01
